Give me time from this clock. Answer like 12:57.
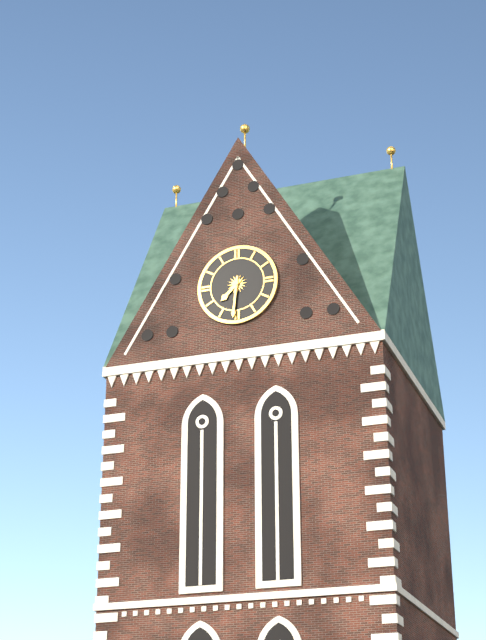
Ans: 7:31
